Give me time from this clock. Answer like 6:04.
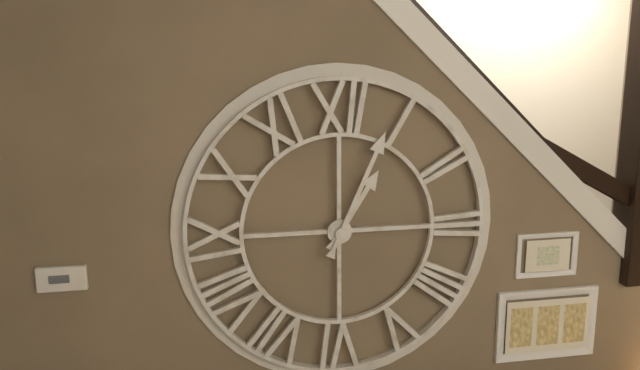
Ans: 1:04
